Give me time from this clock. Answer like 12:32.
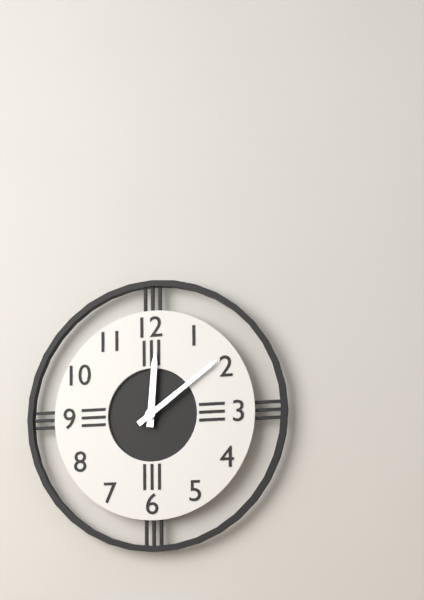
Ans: 12:09
